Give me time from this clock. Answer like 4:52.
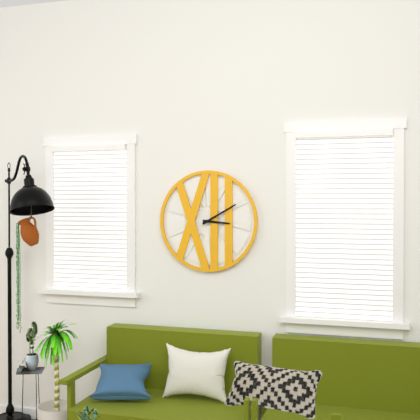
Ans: 3:10
